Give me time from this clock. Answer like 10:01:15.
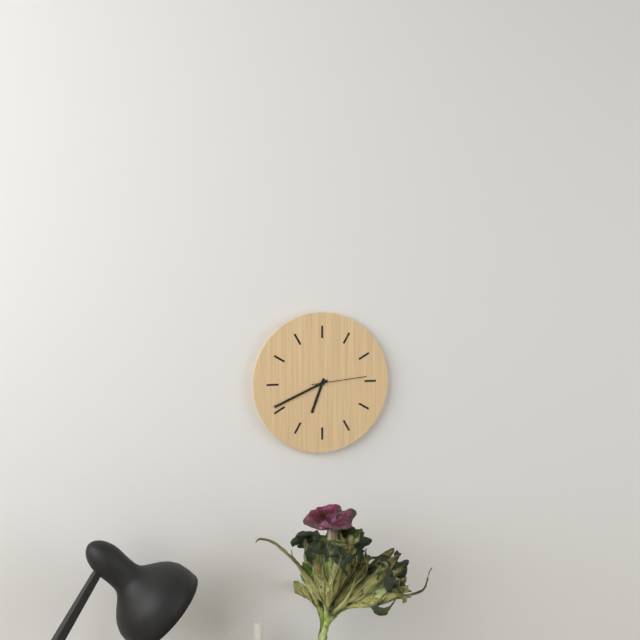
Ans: 6:41:14
